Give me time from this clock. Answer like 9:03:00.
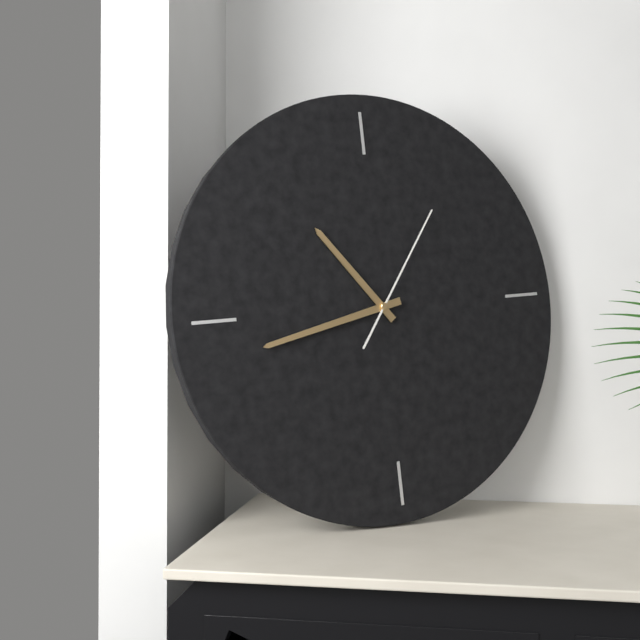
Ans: 10:43:06
